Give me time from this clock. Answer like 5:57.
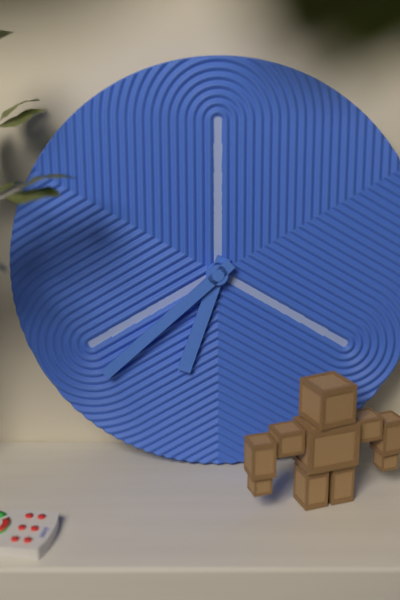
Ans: 6:38
